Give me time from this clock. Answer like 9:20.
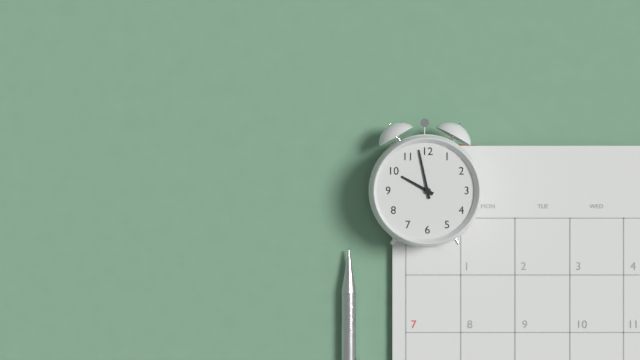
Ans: 9:58
